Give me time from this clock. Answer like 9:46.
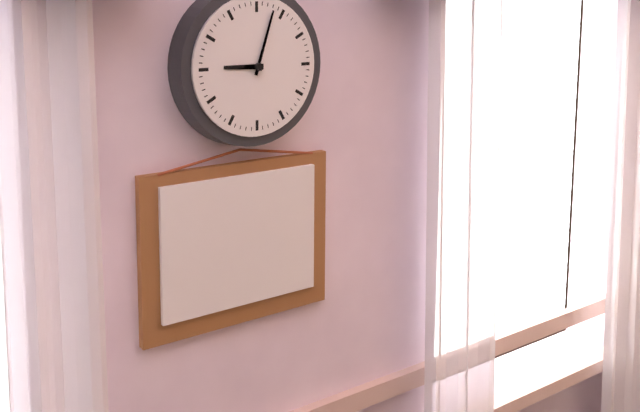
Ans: 9:03
